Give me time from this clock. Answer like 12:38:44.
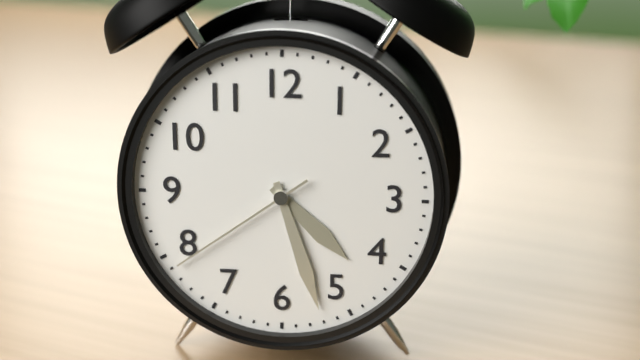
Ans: 4:27:39
